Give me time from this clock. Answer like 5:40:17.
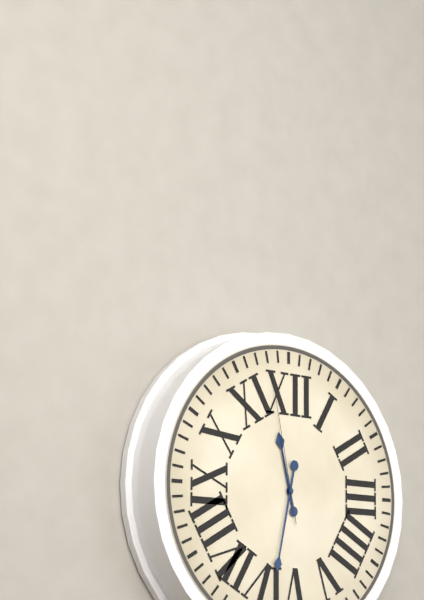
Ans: 11:32:58
